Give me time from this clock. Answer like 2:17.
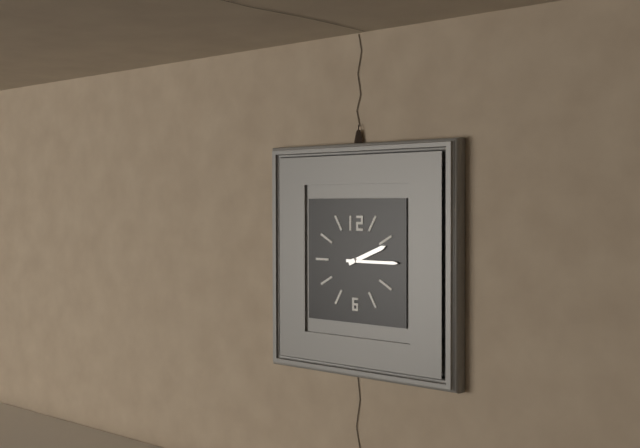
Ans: 2:15
